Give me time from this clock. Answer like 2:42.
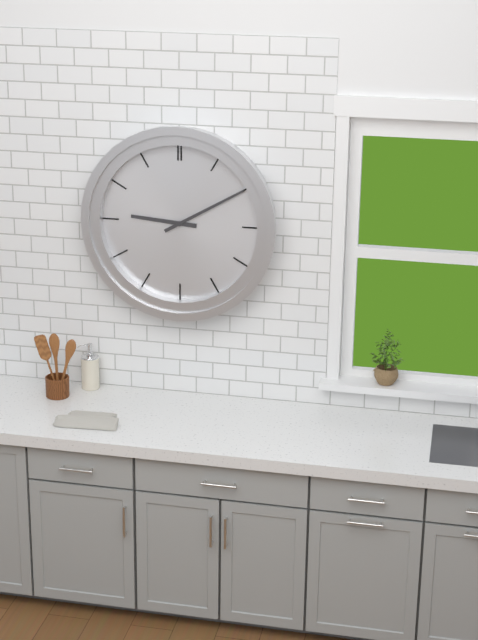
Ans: 9:10
